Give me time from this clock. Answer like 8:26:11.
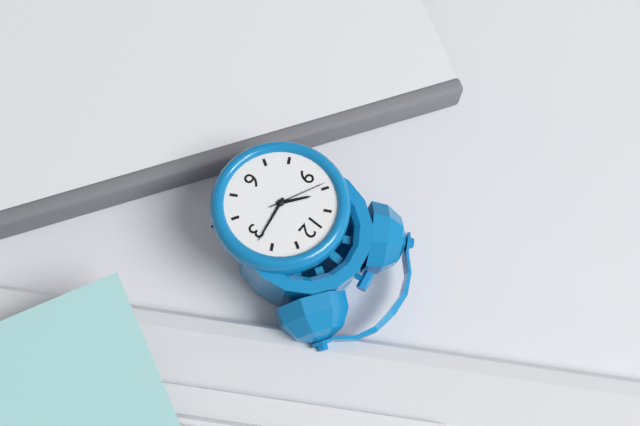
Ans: 10:13:49
